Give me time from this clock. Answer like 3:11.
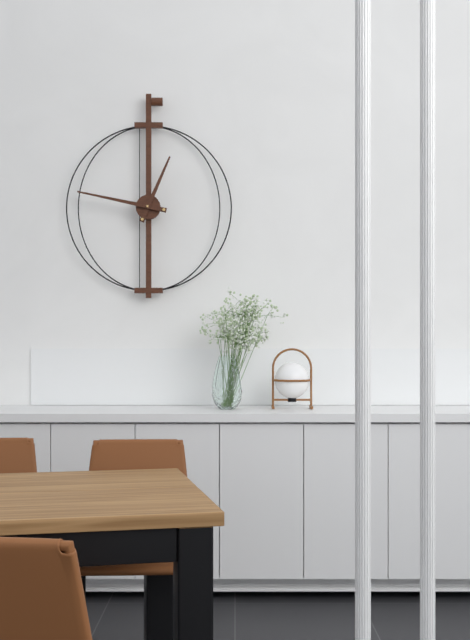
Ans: 12:47
